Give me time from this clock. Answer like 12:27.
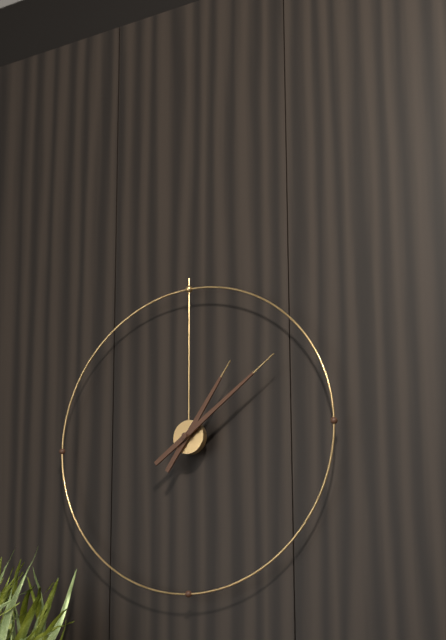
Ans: 1:09
